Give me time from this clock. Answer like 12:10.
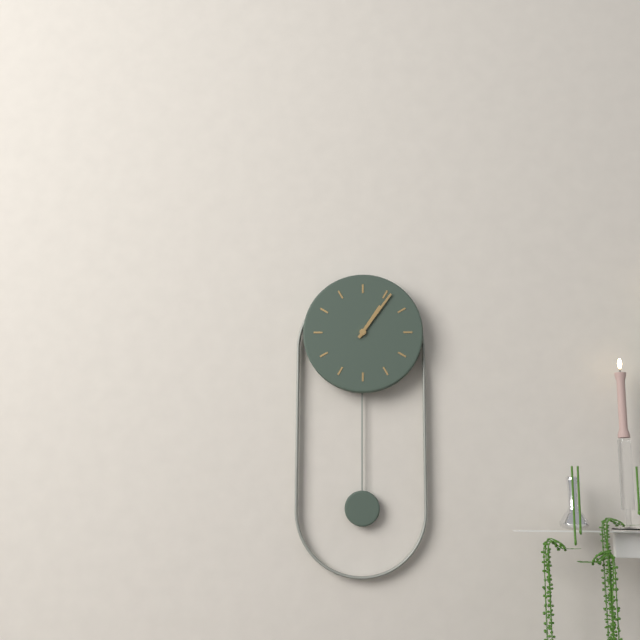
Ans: 1:06
